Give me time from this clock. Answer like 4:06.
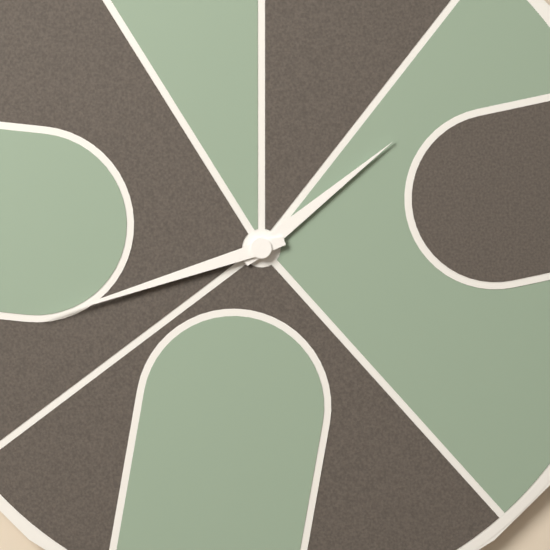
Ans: 1:42
